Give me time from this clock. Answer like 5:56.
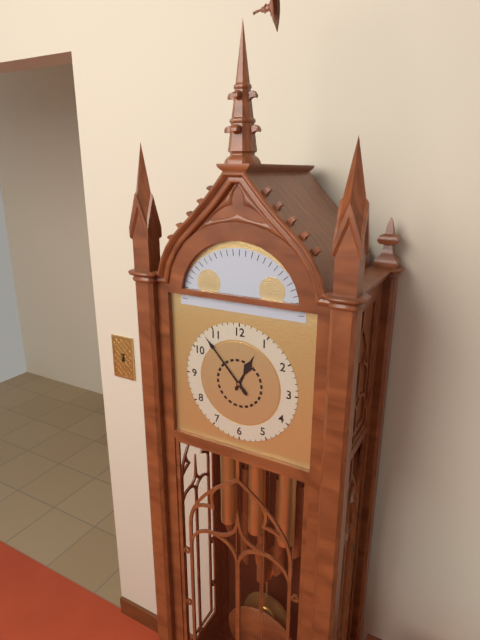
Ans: 12:53
